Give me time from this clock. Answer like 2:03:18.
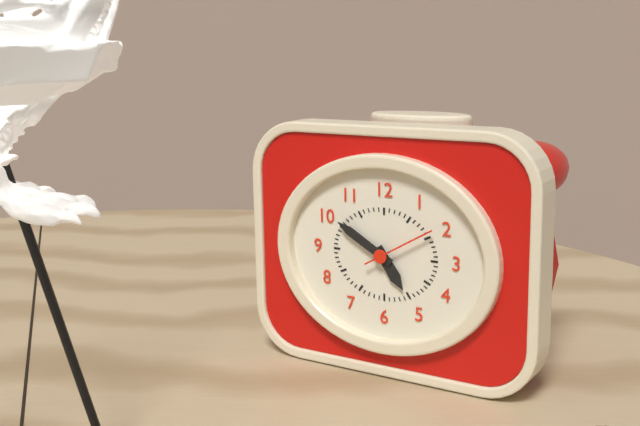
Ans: 4:50:10
